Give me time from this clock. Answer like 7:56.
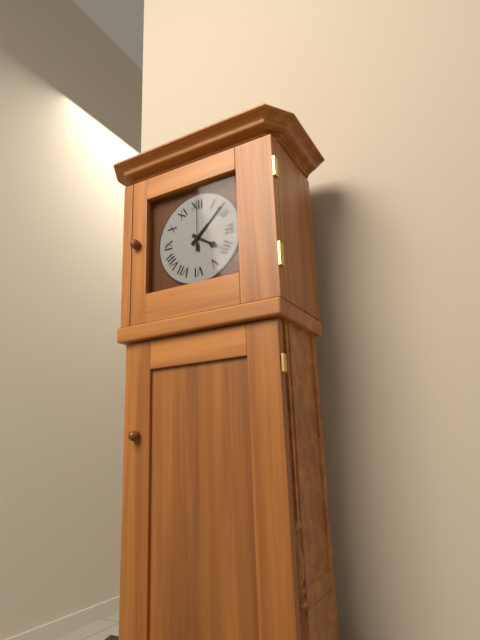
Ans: 4:08
